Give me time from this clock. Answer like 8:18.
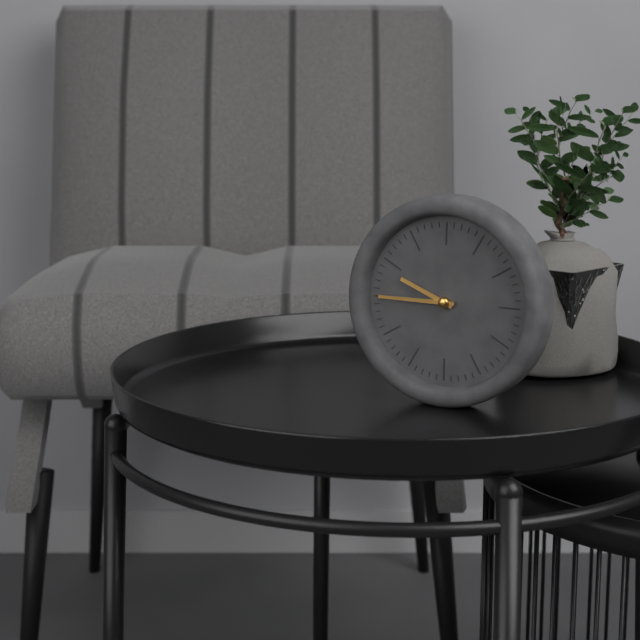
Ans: 9:45
